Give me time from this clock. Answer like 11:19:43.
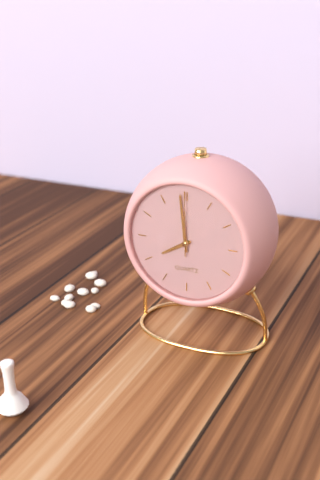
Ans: 7:59:00
